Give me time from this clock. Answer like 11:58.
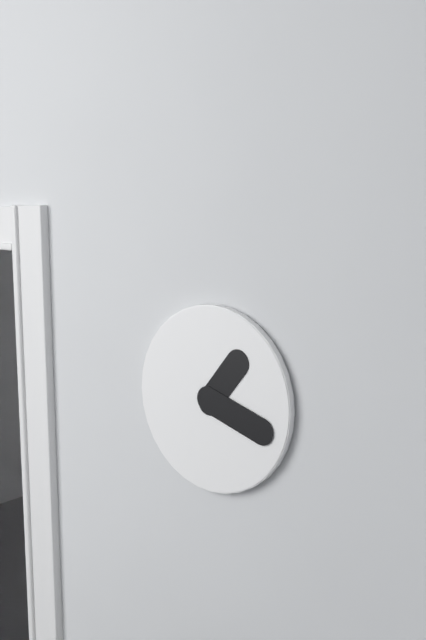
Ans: 1:18
